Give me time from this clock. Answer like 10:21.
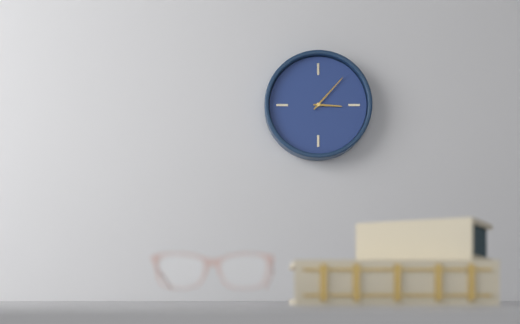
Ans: 3:07
